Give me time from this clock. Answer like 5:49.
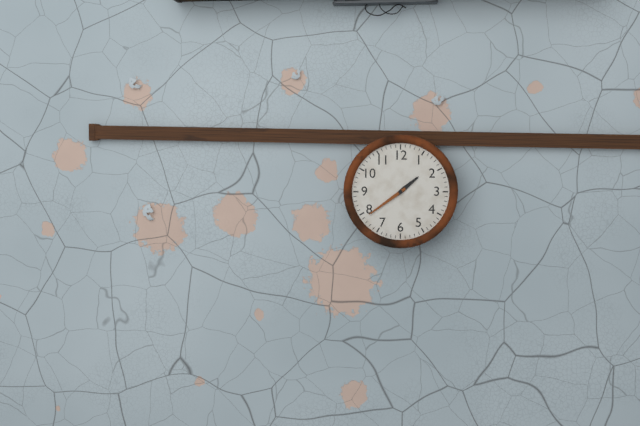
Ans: 1:39
